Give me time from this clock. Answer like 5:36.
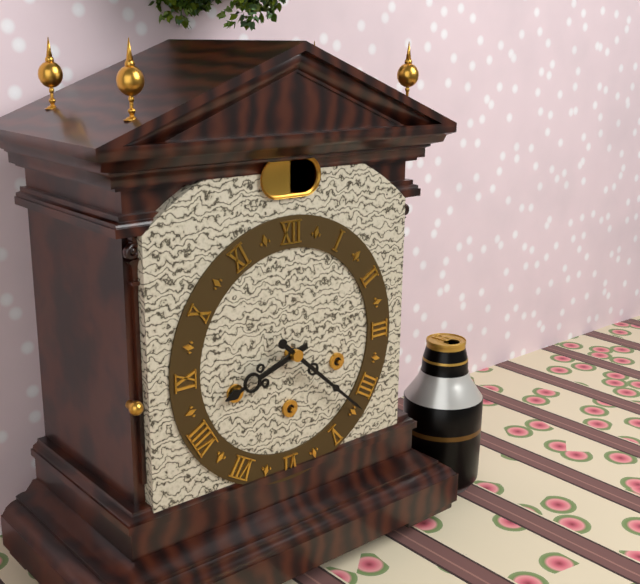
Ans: 8:22
